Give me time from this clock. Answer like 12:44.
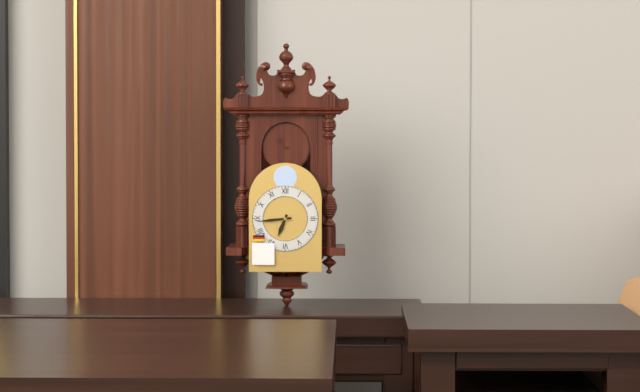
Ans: 6:44
